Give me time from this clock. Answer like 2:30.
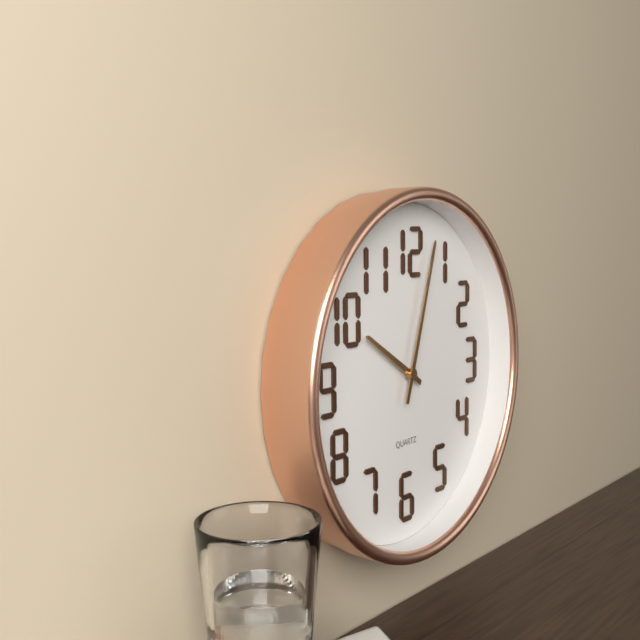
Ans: 10:03
